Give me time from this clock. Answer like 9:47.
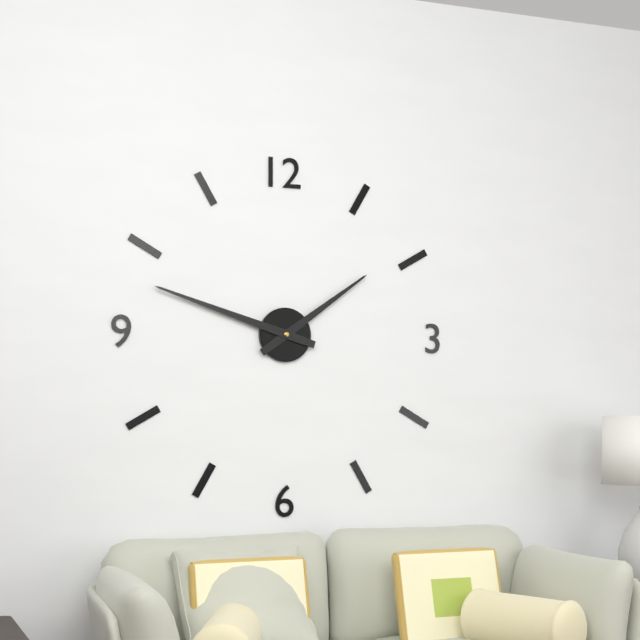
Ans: 1:48
